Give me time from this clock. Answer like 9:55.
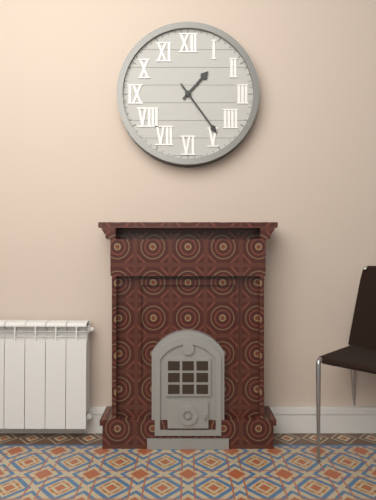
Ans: 1:24
